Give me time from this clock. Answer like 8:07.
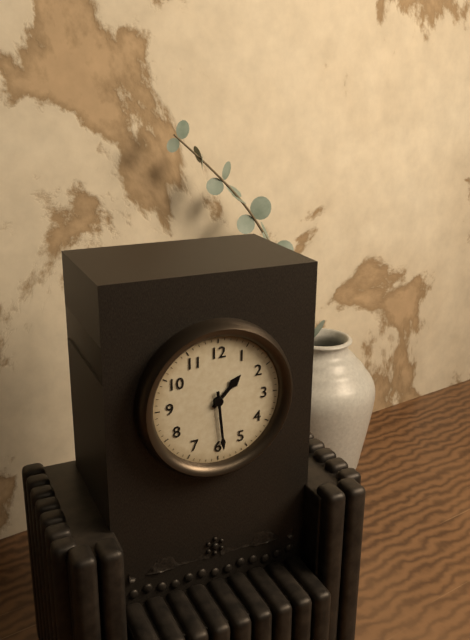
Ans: 1:29
